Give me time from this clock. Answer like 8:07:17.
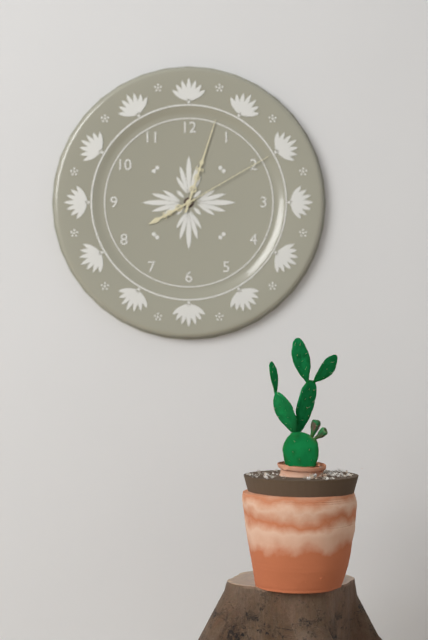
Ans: 8:03:10
